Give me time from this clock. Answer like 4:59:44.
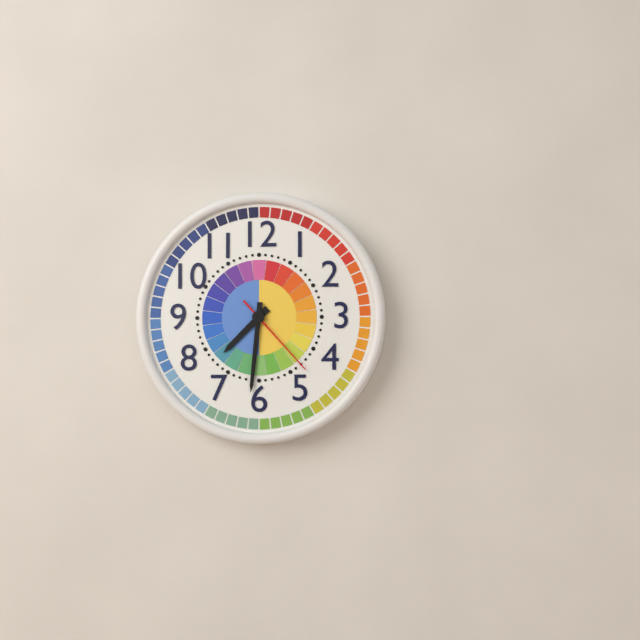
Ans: 7:31:23
